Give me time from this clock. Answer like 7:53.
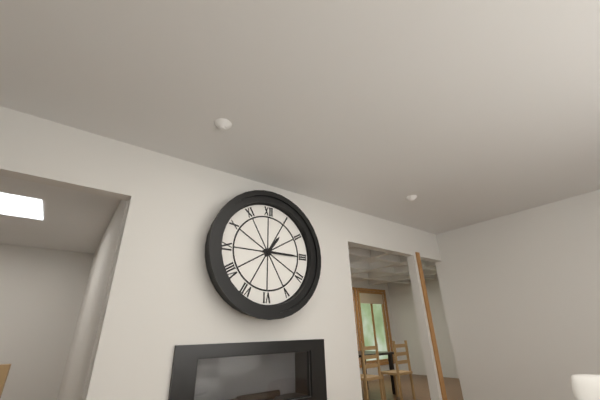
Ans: 1:15
